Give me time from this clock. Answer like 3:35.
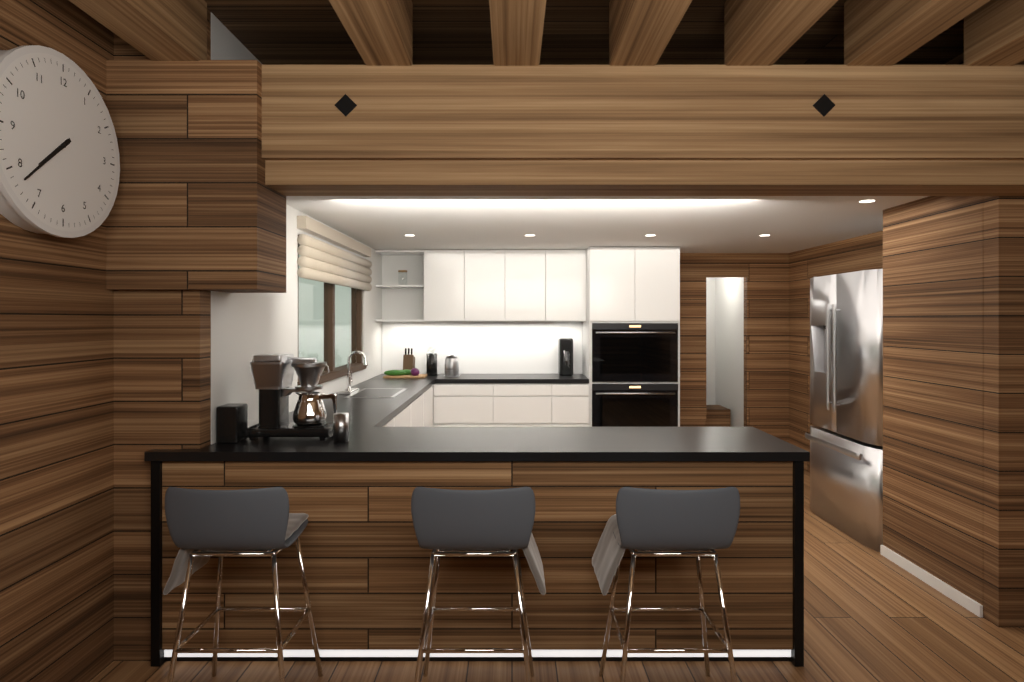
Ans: 7:38
